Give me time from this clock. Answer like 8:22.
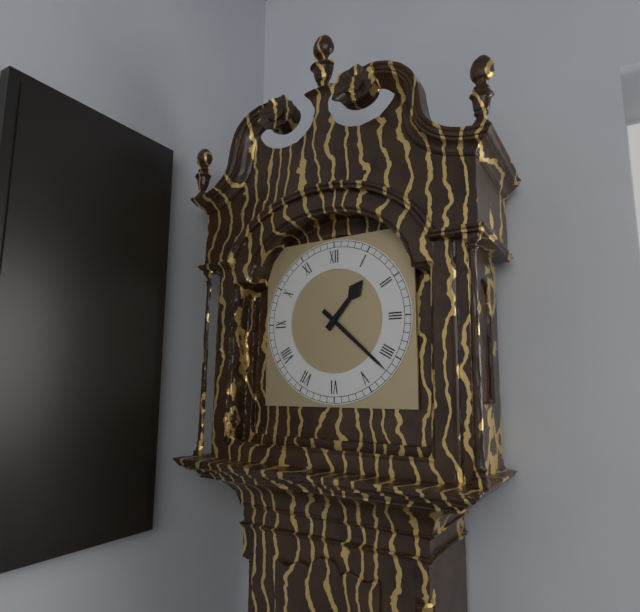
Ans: 1:22
